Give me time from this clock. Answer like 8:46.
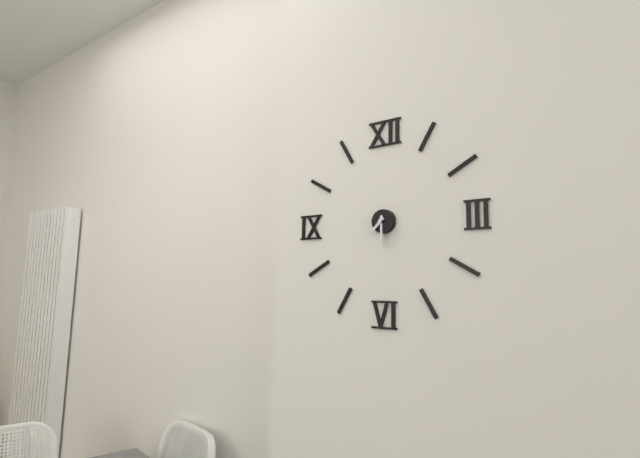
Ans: 7:30
